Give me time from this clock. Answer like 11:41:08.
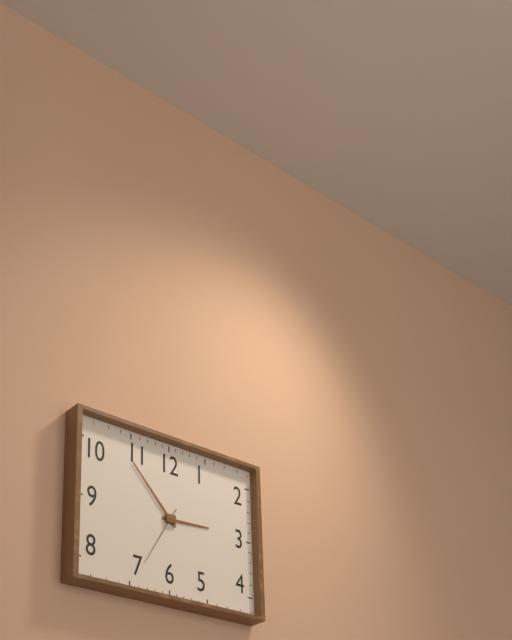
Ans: 2:53:35
